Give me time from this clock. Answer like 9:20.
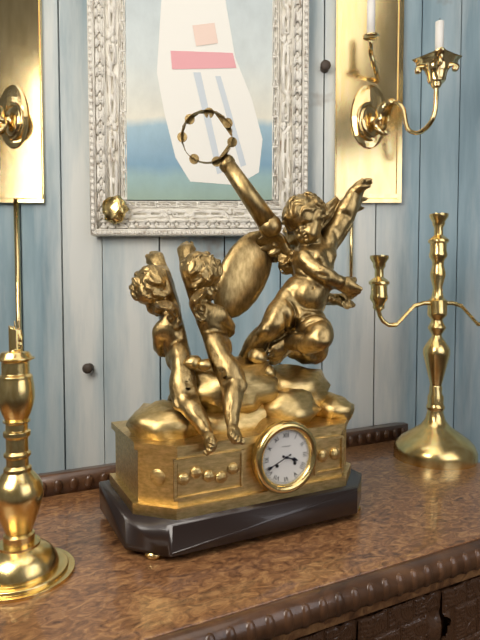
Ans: 3:41
